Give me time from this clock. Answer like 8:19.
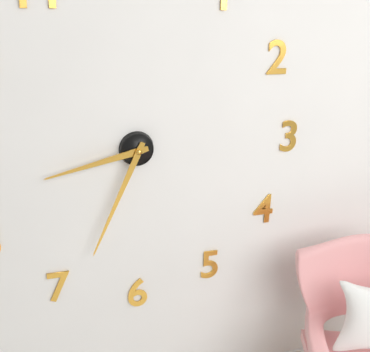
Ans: 8:34
